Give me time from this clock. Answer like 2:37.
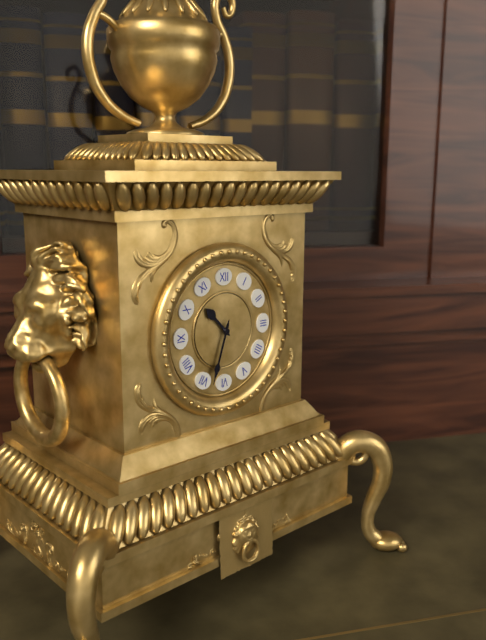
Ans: 10:33
